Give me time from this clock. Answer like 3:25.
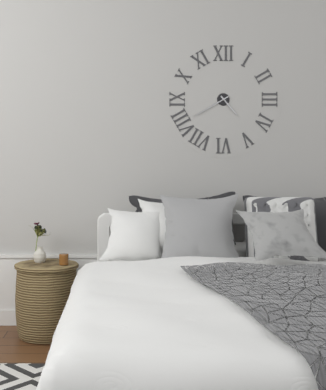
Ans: 4:40
